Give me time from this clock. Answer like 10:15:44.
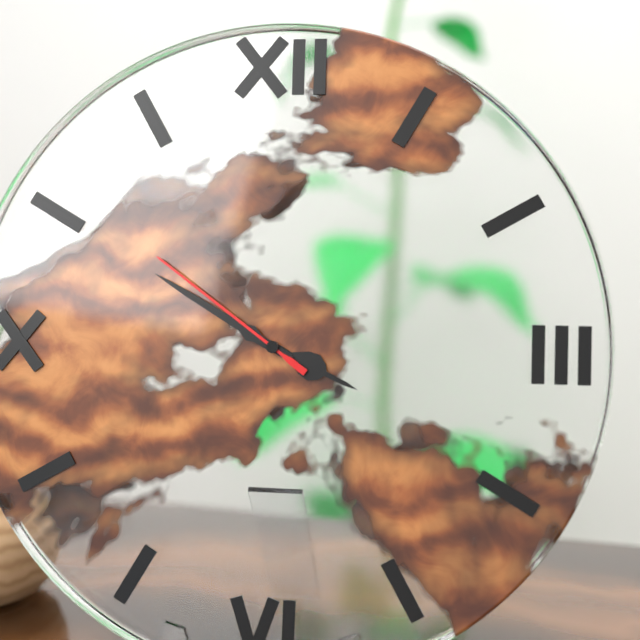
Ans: 3:50:51
